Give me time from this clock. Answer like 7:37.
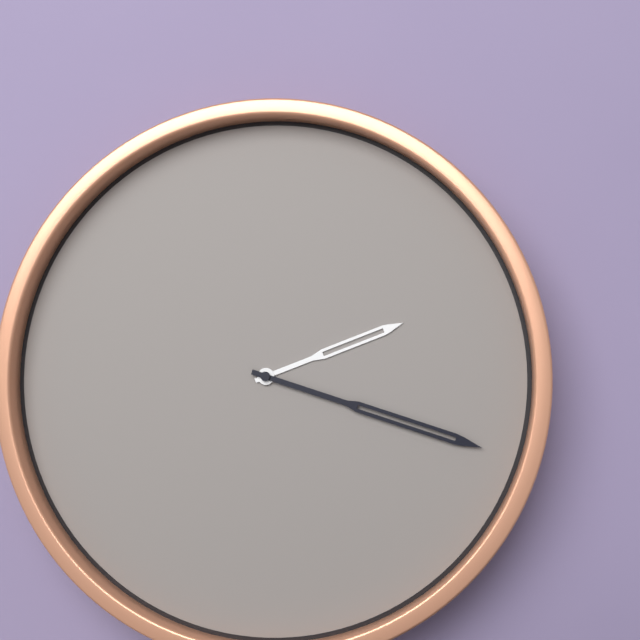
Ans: 2:18
